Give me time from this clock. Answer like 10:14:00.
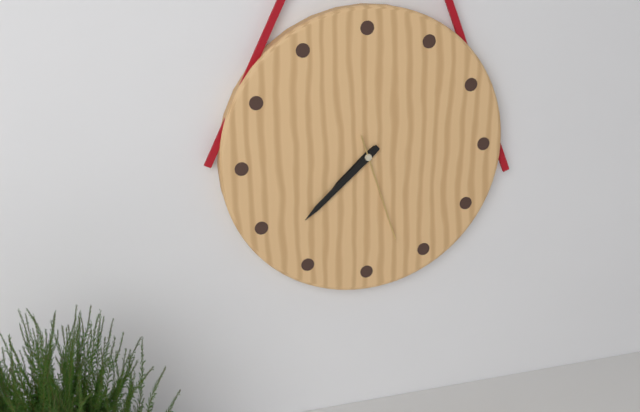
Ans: 7:38:27
